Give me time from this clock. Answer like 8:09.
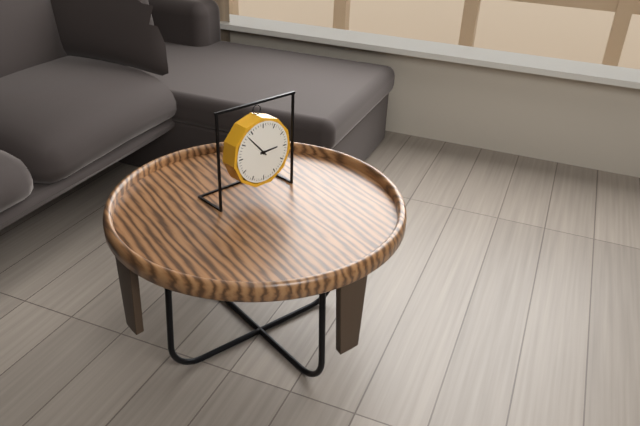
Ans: 2:53
